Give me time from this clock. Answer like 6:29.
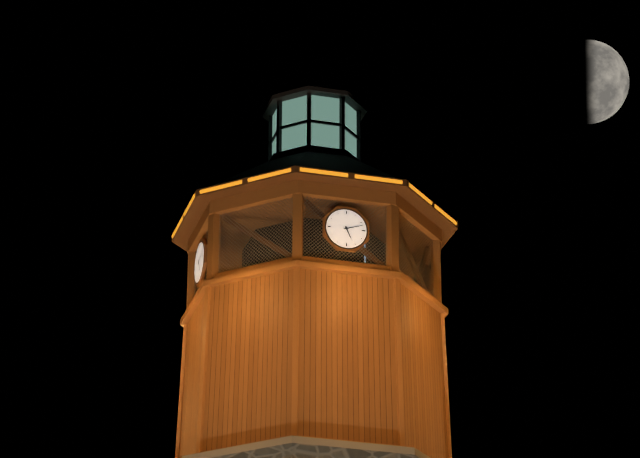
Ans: 5:12
